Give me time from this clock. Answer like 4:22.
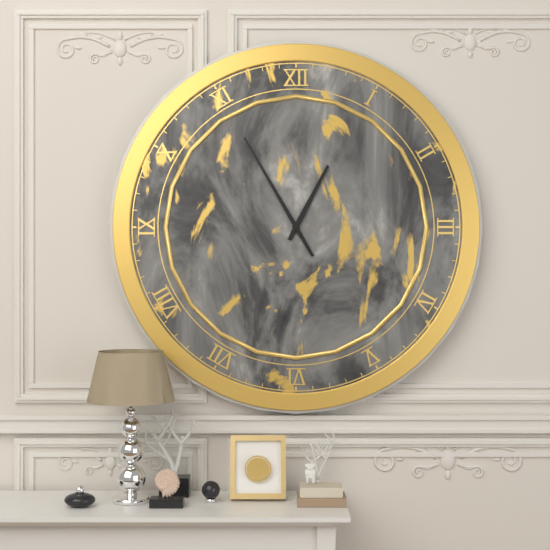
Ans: 12:55
